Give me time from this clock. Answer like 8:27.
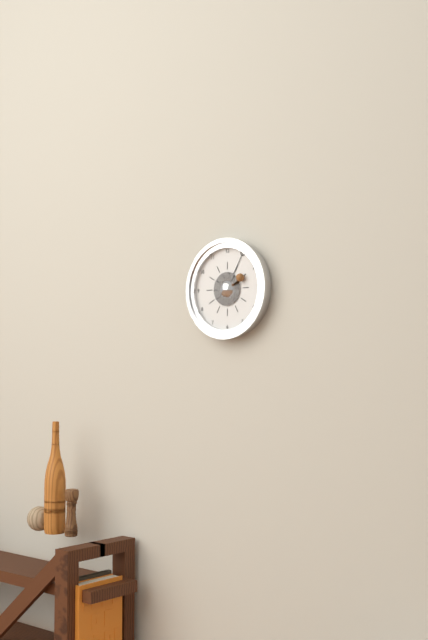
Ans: 2:05
